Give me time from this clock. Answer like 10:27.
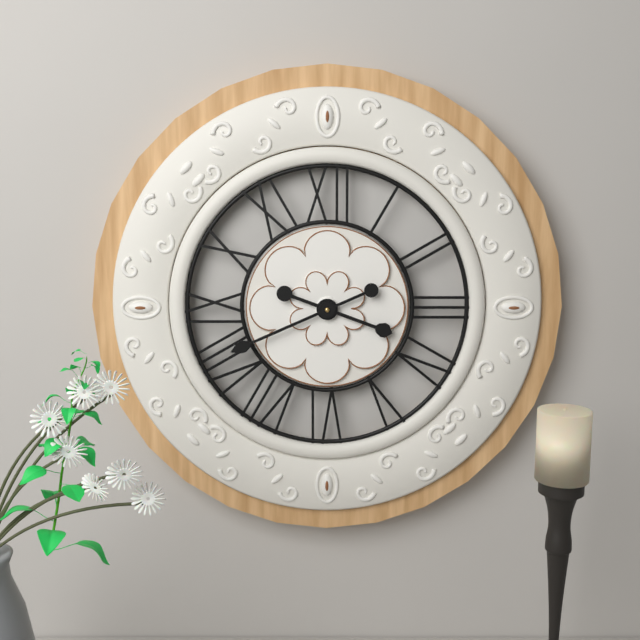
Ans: 3:41
